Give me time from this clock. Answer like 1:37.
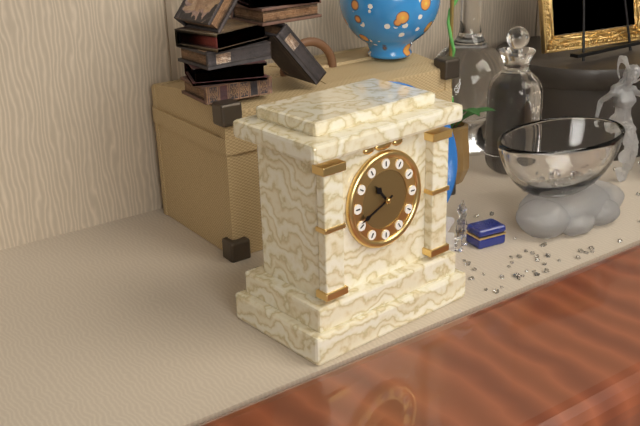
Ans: 10:41
